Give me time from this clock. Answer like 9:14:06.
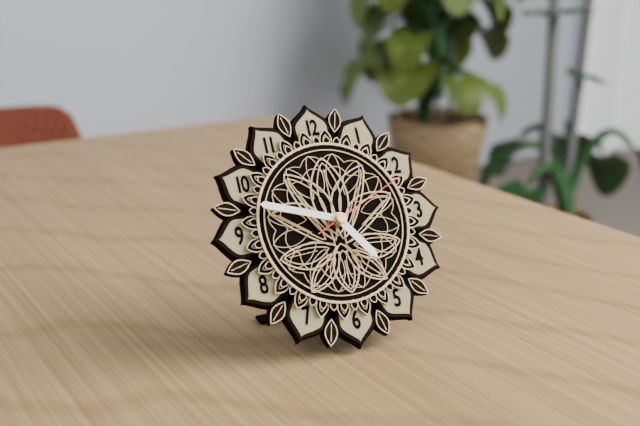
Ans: 4:48:11
